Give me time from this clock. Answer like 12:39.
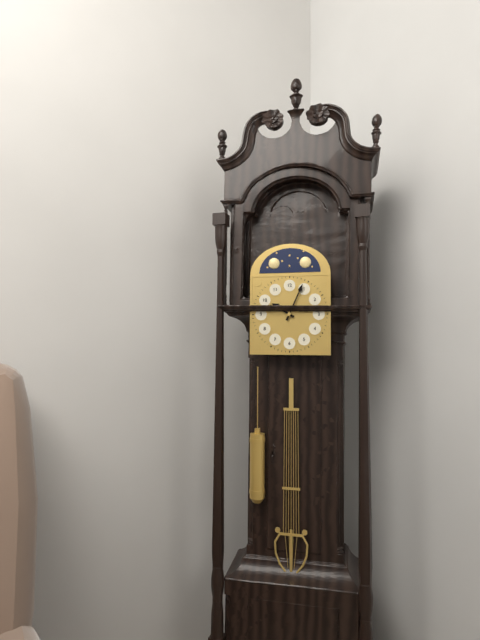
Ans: 10:04
